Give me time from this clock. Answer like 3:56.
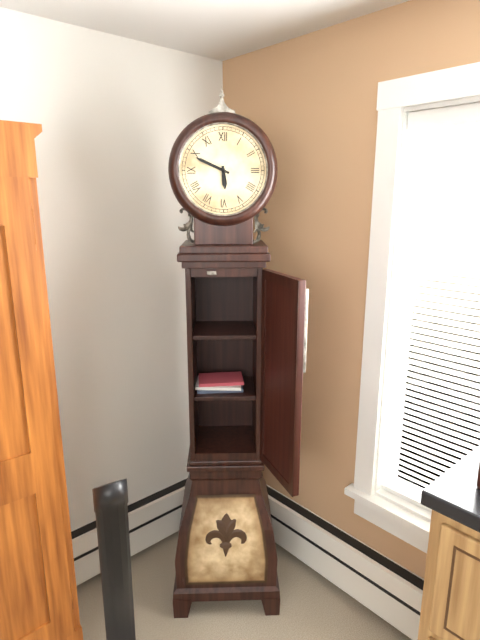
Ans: 5:49
